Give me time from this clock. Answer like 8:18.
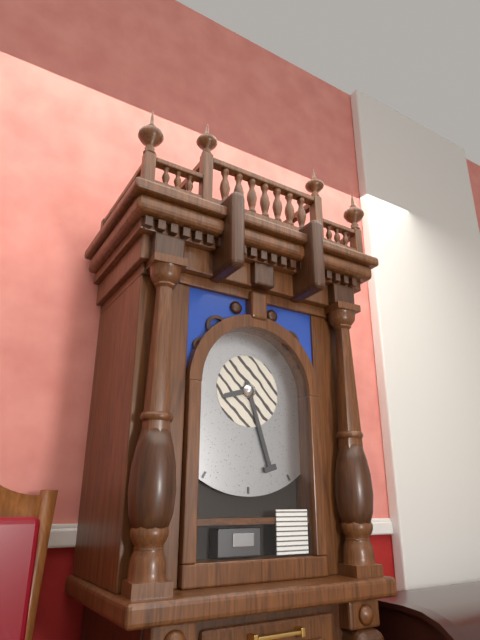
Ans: 8:27
